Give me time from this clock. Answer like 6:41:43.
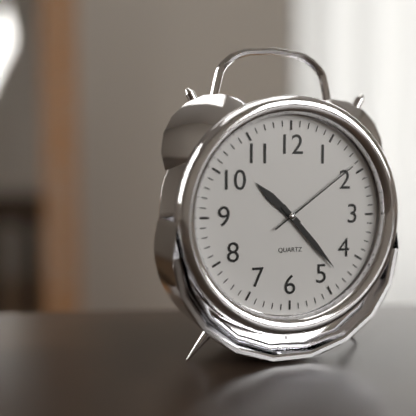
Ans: 10:23:09
